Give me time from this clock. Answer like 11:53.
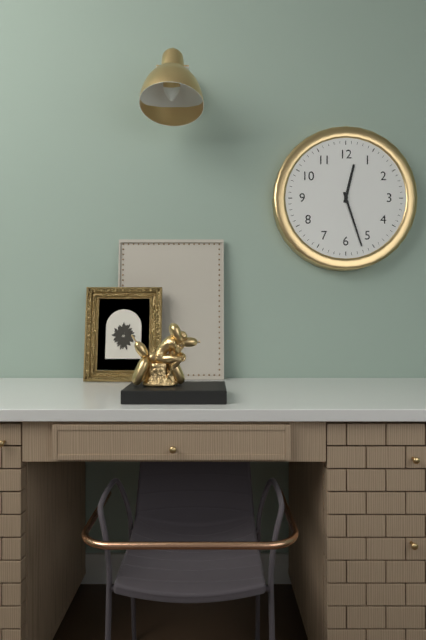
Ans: 12:27
